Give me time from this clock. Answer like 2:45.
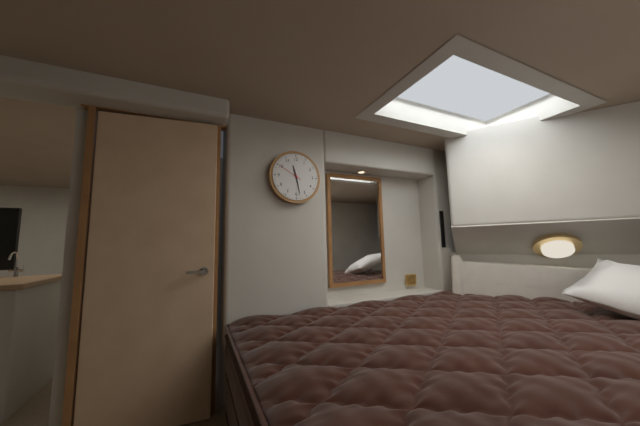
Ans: 11:28
